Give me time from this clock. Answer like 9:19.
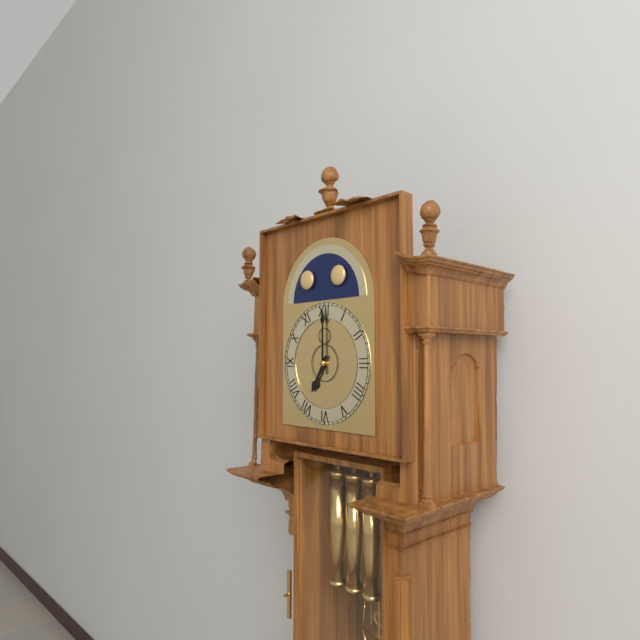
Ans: 7:00
